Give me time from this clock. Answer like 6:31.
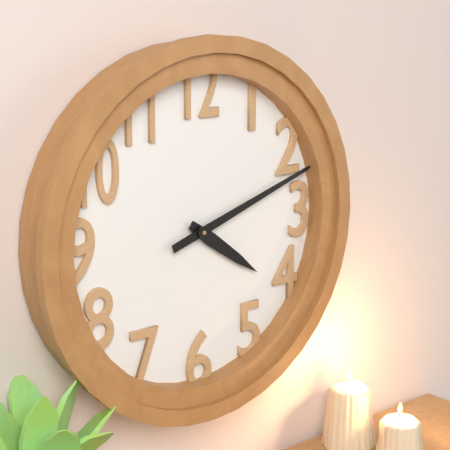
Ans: 4:12
